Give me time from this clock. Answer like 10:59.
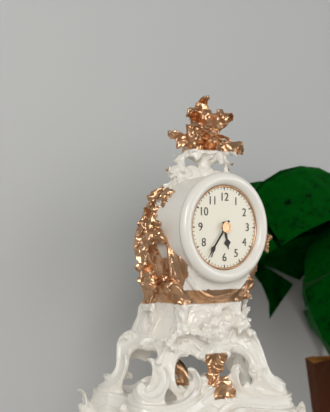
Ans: 5:36
